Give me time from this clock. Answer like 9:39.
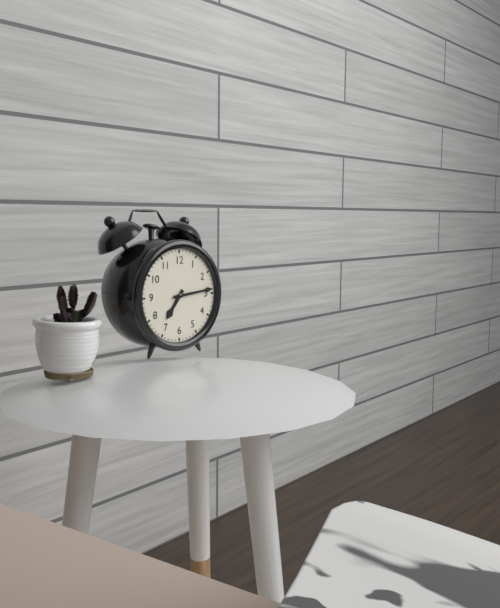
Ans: 7:14
